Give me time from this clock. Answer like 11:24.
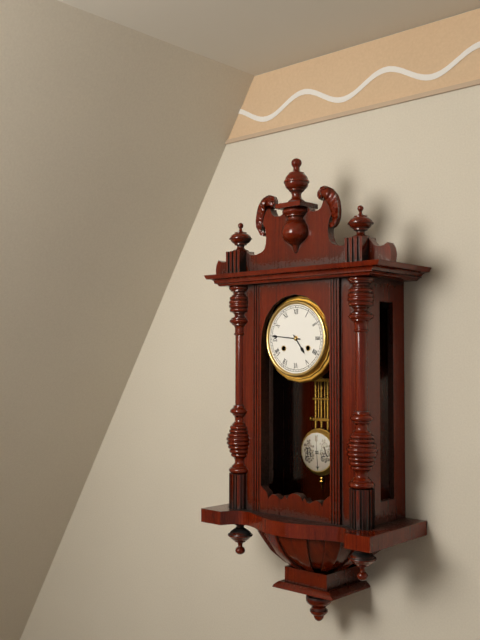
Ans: 4:46
